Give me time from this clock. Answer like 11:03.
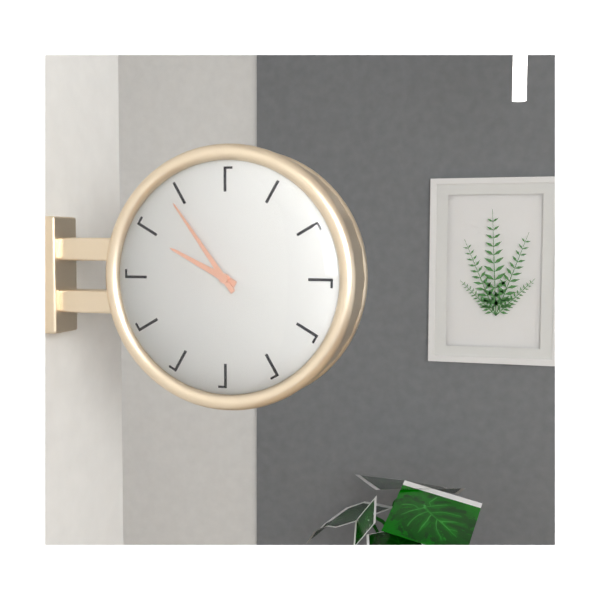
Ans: 9:54
